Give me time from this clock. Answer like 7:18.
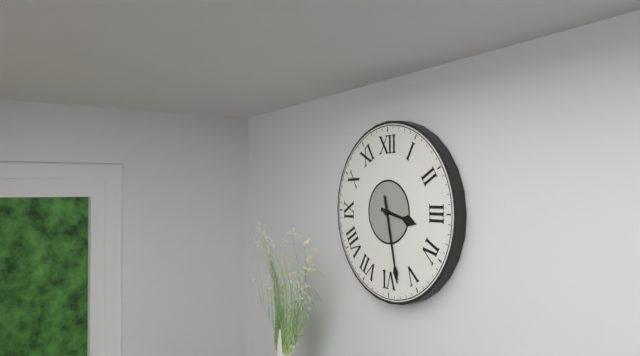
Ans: 3:28
